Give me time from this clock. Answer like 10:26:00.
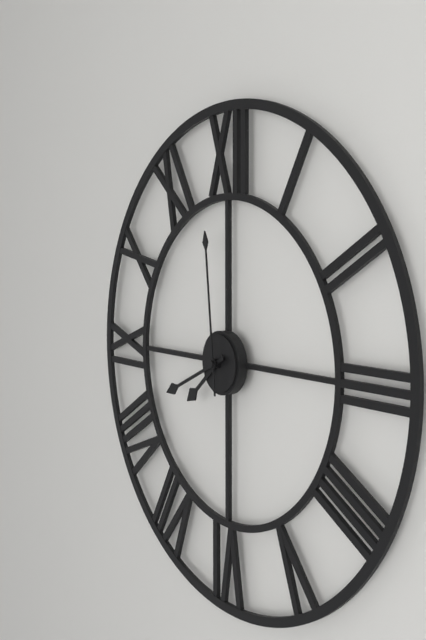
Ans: 7:41:59
